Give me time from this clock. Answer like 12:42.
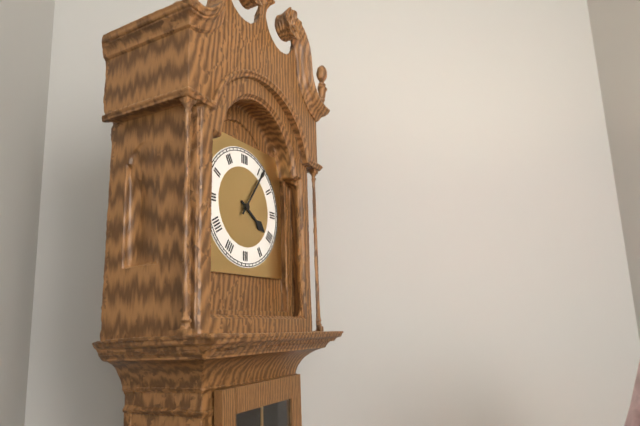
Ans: 4:06
